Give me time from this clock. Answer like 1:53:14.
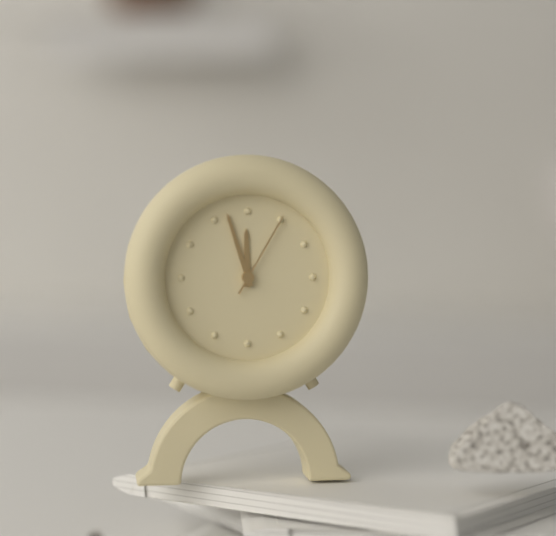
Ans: 11:57:05
